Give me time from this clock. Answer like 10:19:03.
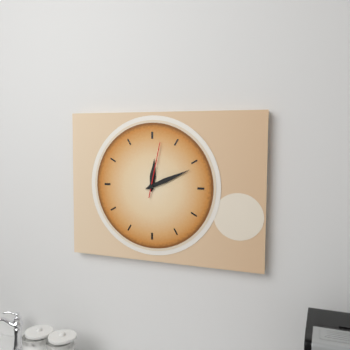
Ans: 12:11:02
